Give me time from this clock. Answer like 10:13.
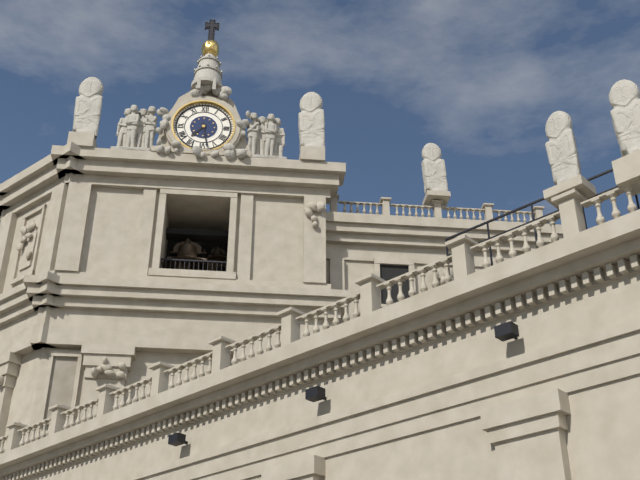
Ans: 7:28
